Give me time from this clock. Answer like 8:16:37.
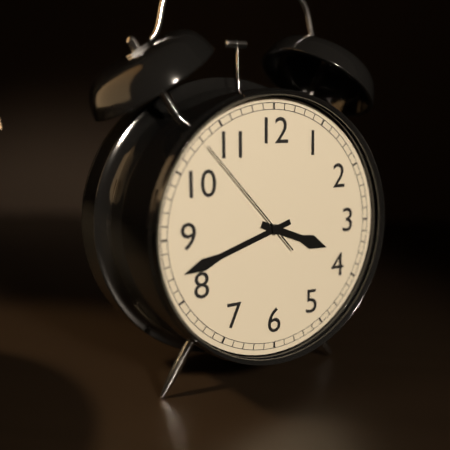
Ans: 3:42:53
